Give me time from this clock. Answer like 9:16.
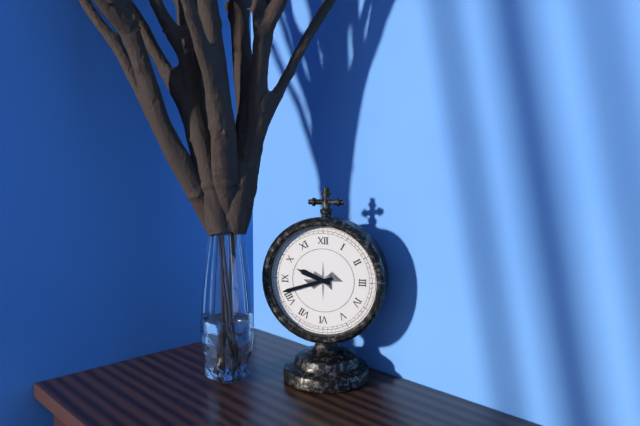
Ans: 9:42
